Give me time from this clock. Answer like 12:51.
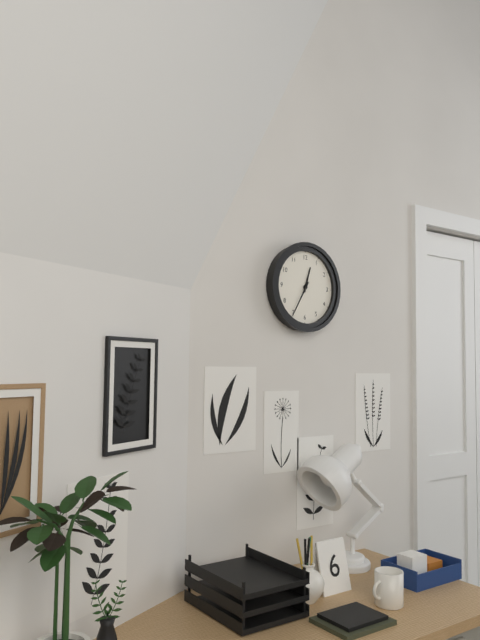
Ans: 12:35
